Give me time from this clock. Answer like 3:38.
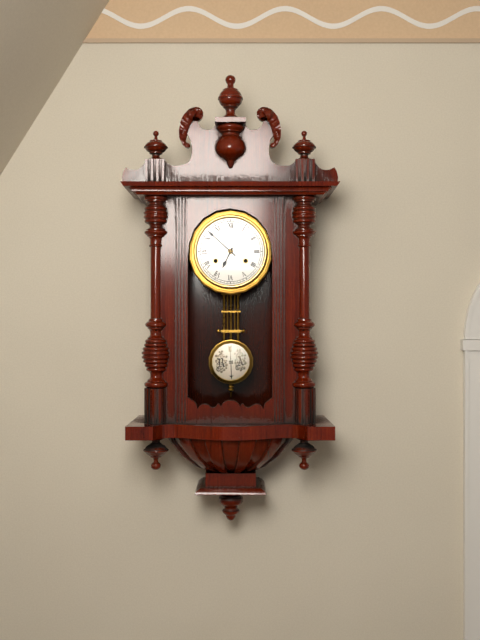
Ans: 6:52
